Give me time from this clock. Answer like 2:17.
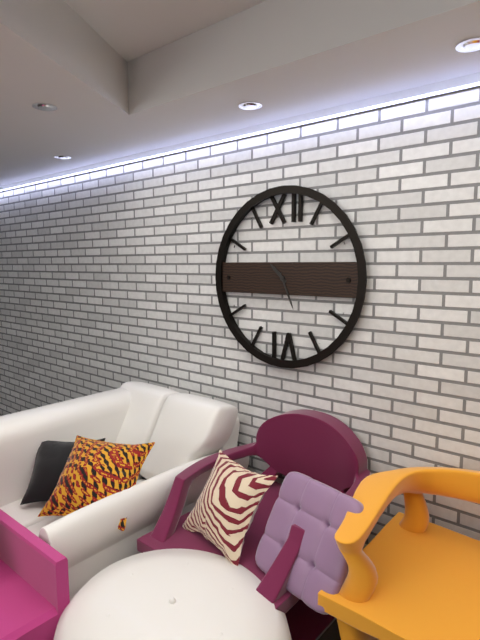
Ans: 10:26
